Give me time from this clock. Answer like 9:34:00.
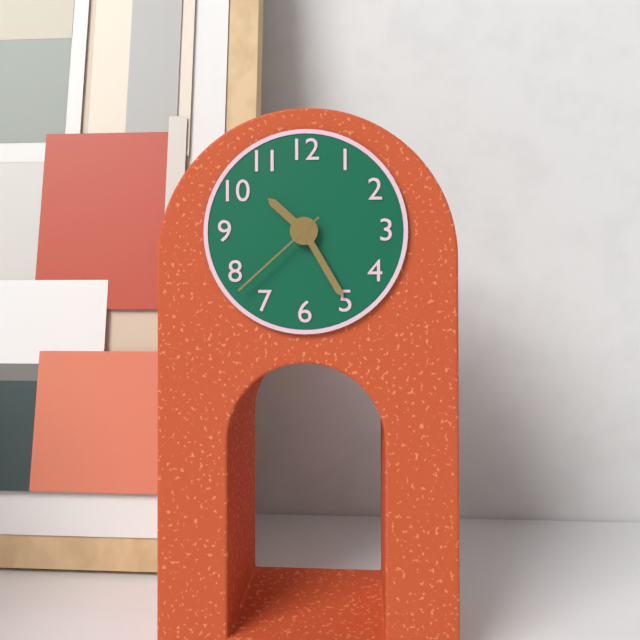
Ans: 10:25:38
